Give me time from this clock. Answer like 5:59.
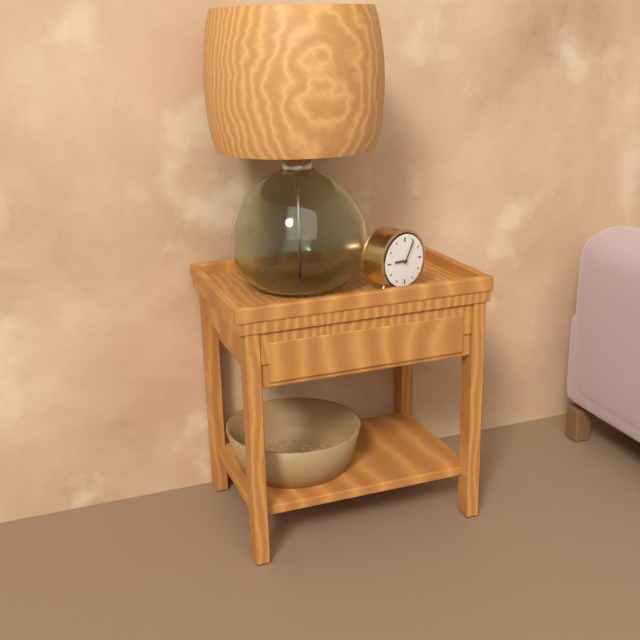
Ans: 9:05
